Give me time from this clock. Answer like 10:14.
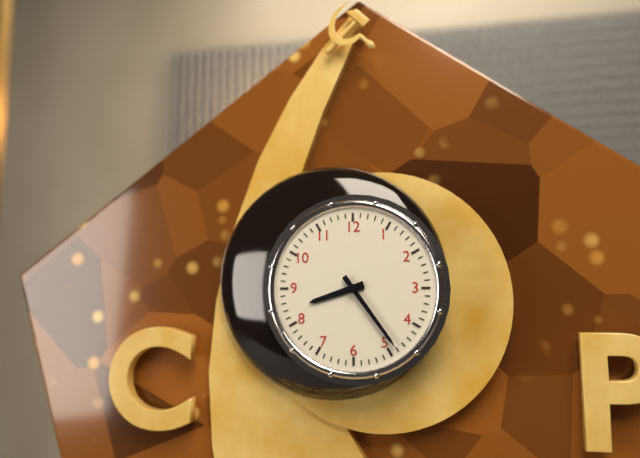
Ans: 8:24
